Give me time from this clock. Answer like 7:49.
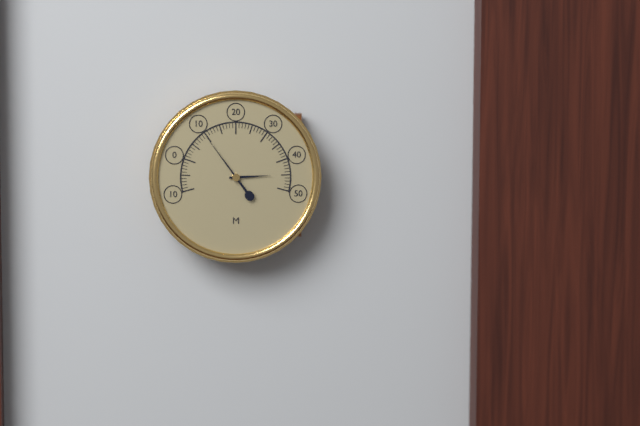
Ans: 2:54
